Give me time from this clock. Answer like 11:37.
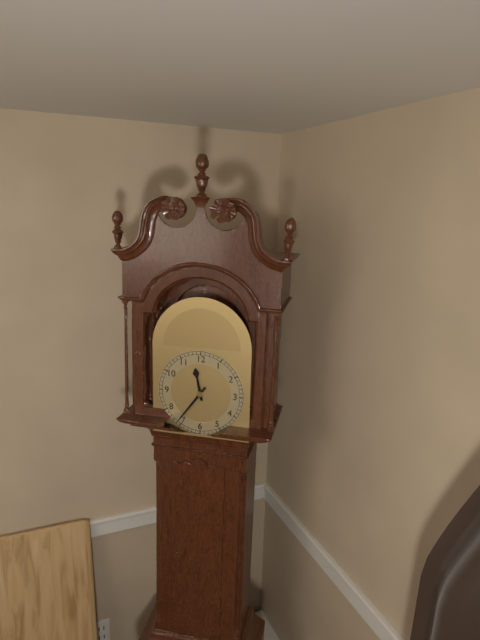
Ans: 11:36
